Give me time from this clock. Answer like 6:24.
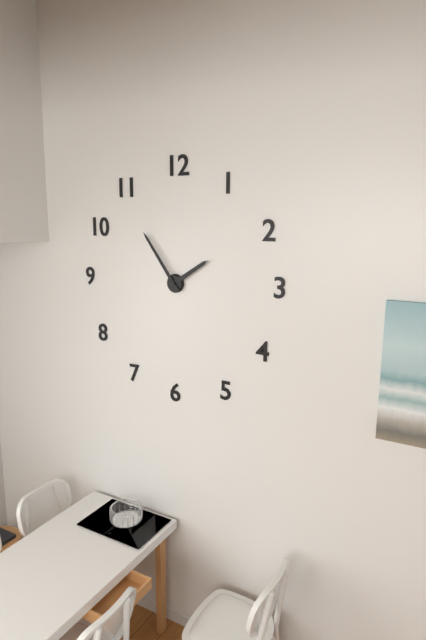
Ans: 1:54
